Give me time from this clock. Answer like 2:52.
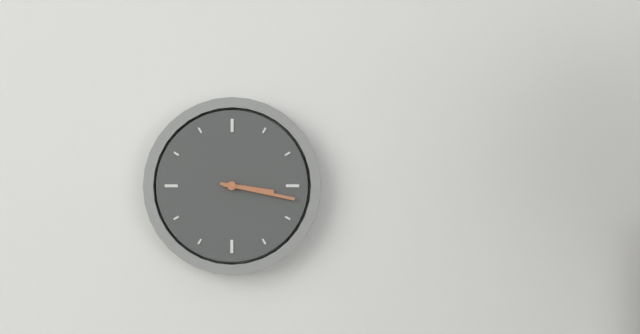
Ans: 3:17
